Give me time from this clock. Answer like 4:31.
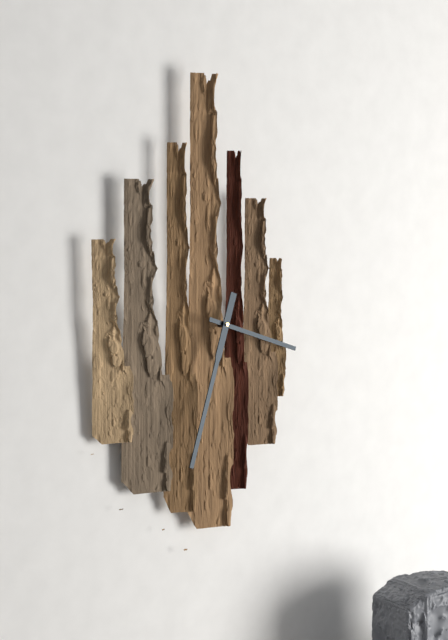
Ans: 3:33
